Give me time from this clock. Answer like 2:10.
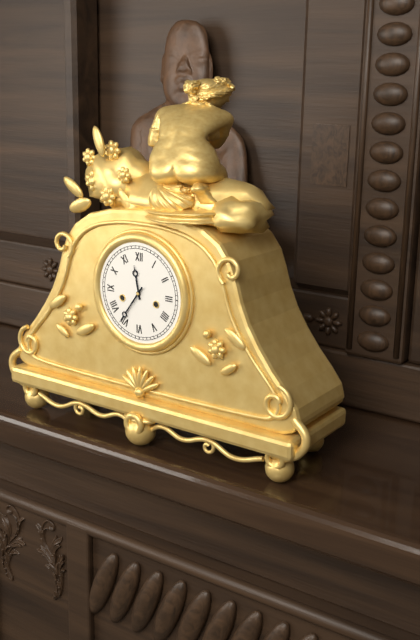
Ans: 11:36
